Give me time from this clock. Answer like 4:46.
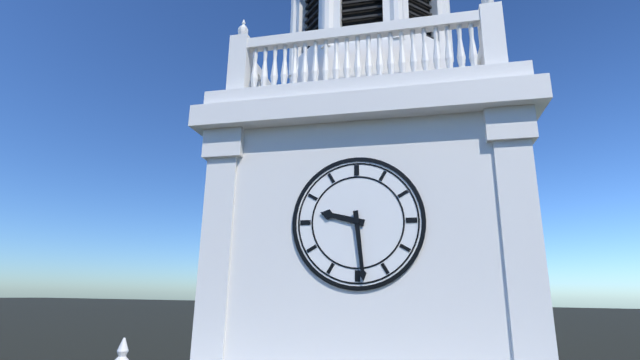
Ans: 9:29
